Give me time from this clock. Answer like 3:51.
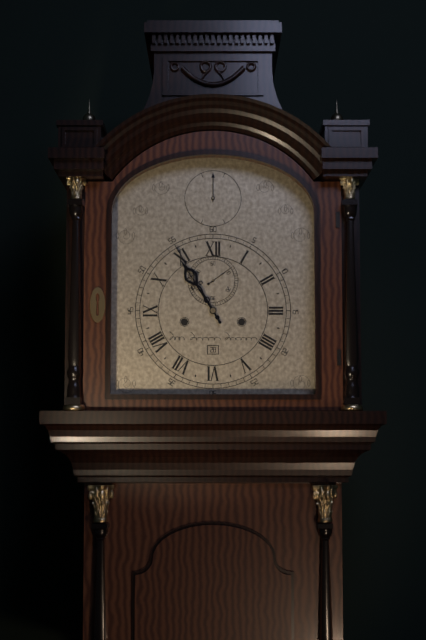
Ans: 10:55
